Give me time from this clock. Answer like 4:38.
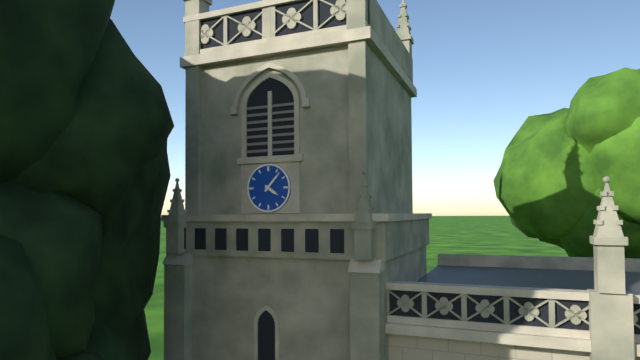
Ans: 4:07
